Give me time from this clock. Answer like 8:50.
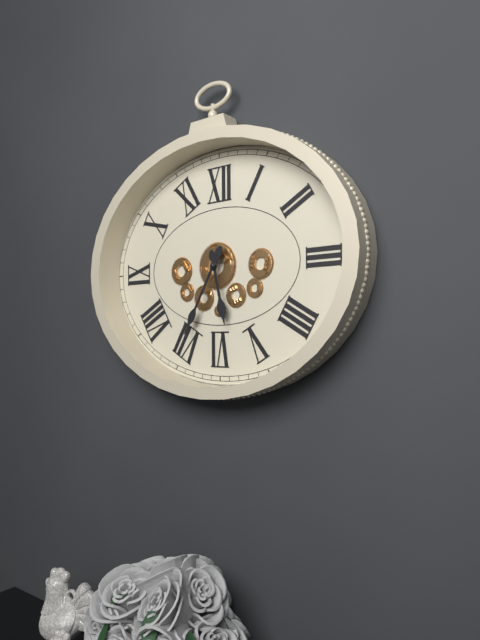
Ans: 5:35
